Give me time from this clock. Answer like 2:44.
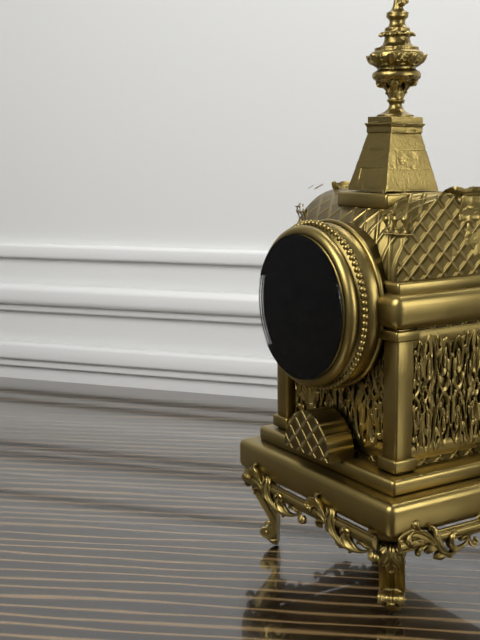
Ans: 9:56
